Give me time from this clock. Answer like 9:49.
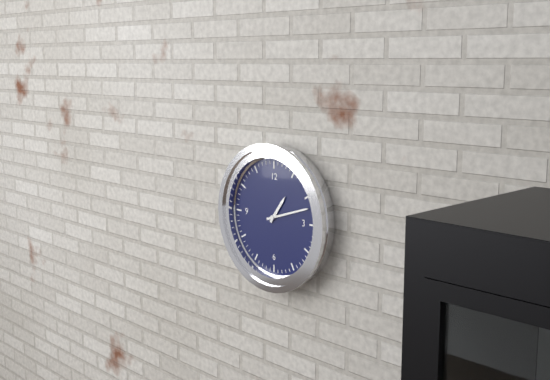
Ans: 1:12
